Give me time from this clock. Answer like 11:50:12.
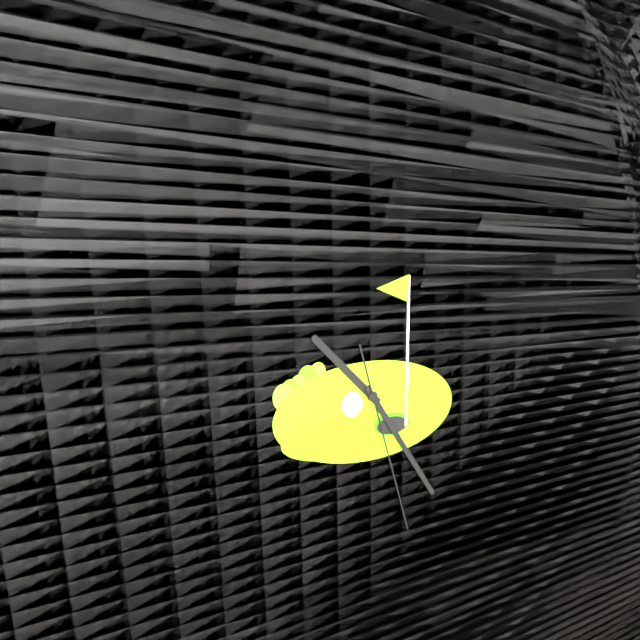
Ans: 10:24:27
